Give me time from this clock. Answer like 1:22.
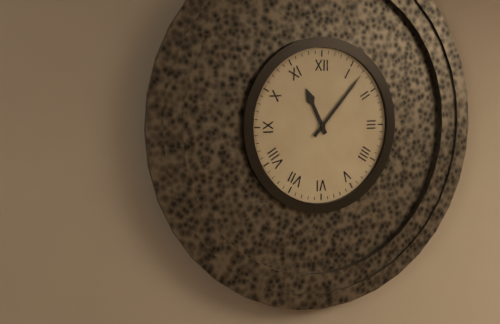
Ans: 11:07
